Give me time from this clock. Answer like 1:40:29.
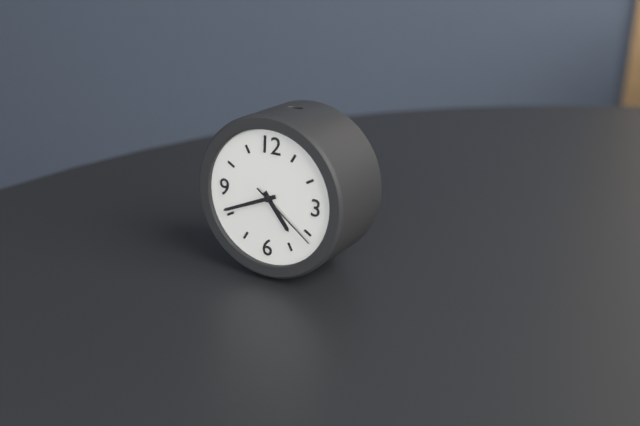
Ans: 4:41:21
